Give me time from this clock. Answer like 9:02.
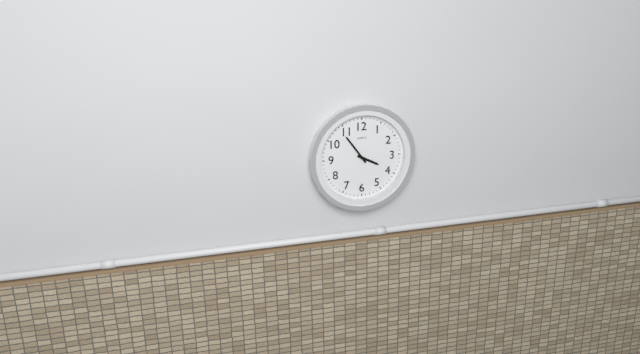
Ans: 3:54
